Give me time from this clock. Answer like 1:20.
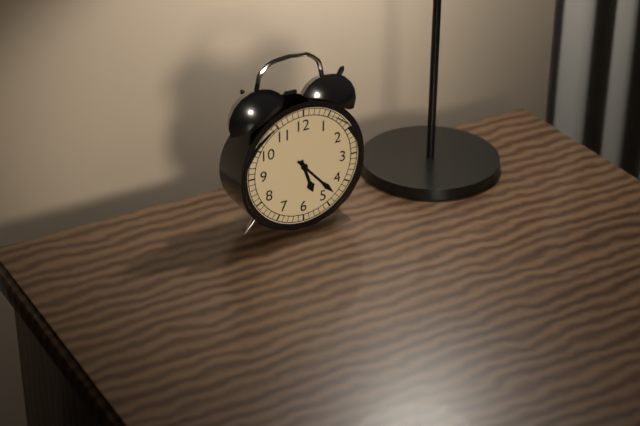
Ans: 5:23
